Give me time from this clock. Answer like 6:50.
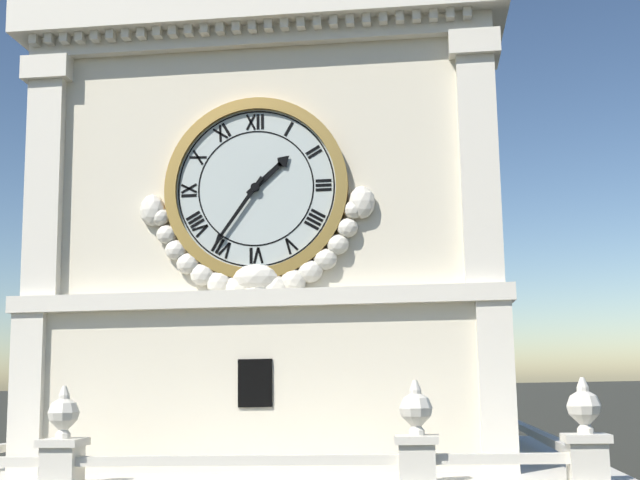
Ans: 1:36
